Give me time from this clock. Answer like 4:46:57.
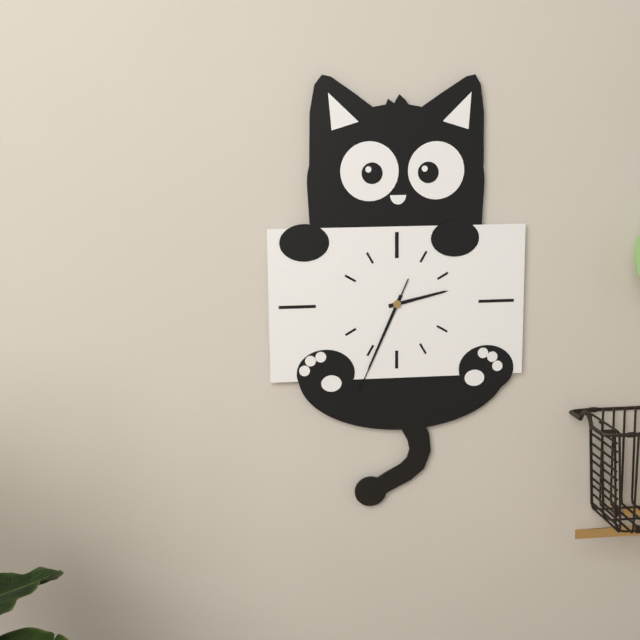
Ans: 2:34:34
